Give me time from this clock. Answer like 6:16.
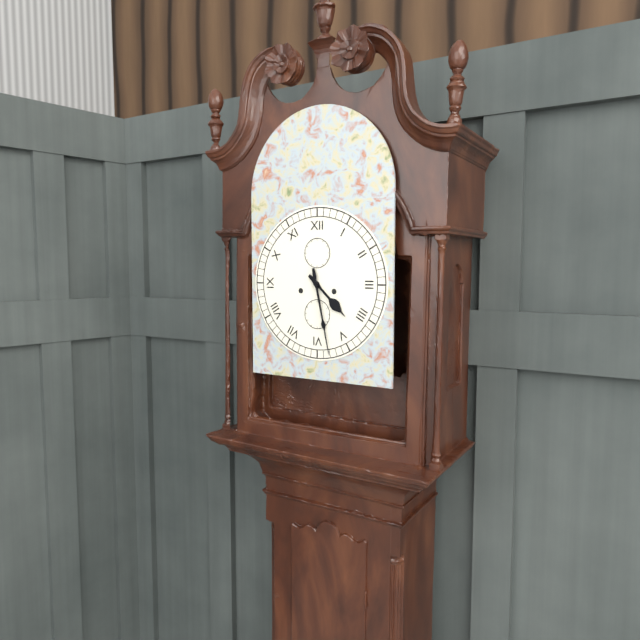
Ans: 4:28
